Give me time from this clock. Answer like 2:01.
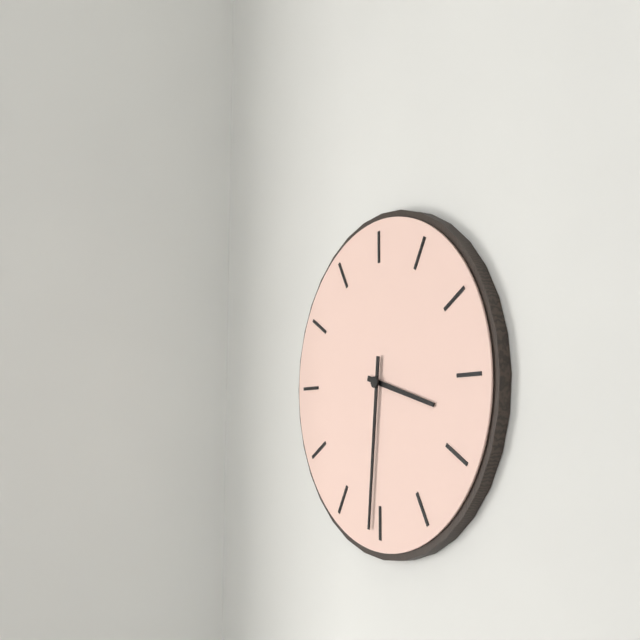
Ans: 3:31
